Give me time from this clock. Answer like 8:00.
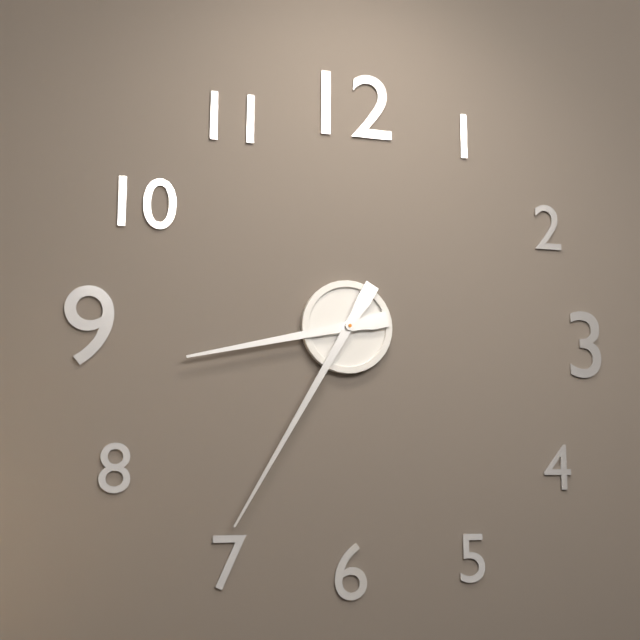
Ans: 8:35
